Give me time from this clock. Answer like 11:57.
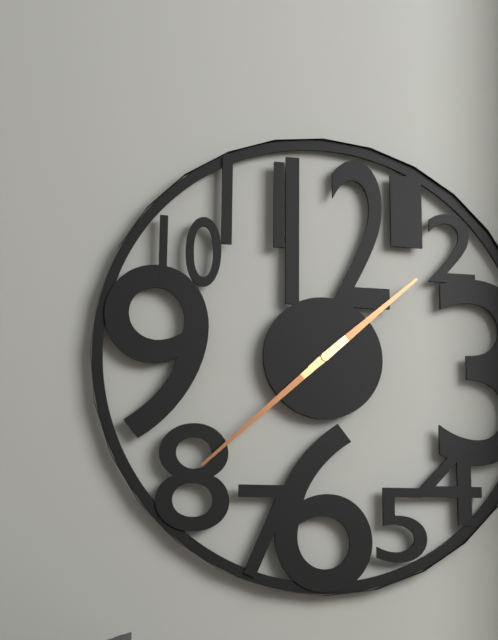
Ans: 1:38
